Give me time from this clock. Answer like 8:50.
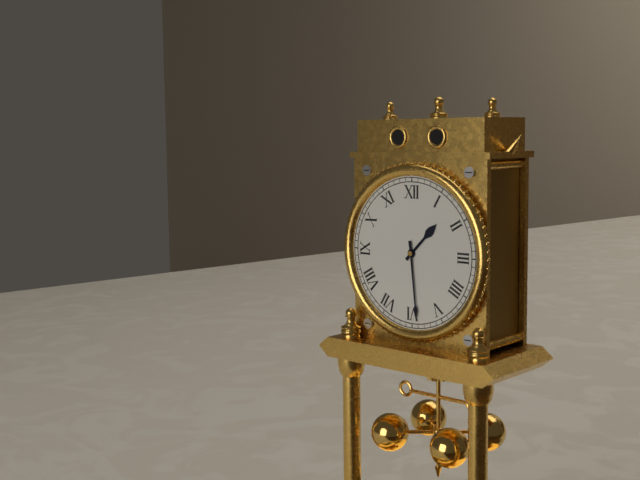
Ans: 1:29
